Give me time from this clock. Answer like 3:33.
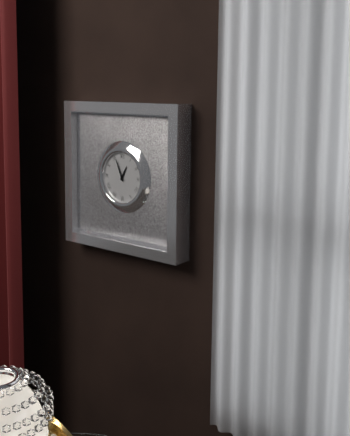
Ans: 12:56
